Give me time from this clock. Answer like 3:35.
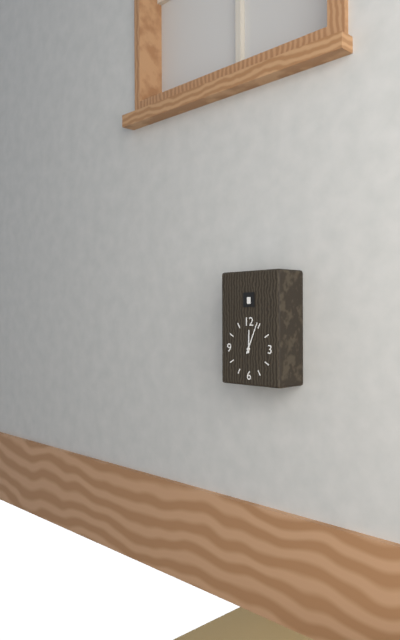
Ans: 12:04
